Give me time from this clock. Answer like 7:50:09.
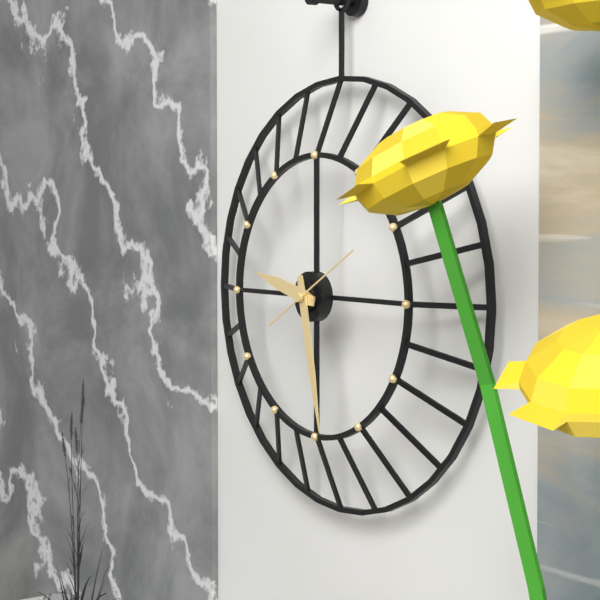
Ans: 9:28:10
